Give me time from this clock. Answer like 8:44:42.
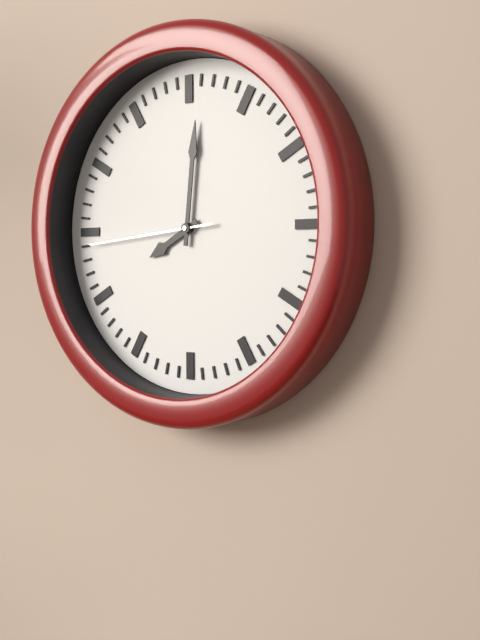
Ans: 8:01:44
